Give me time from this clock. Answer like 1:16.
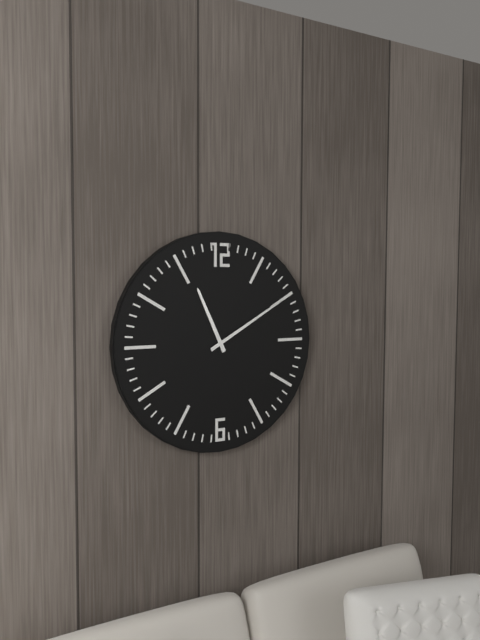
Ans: 11:10
